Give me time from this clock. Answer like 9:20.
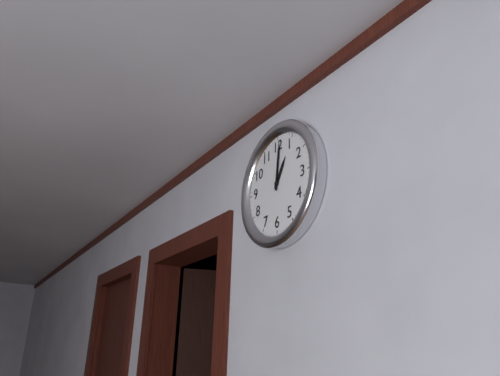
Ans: 1:01
